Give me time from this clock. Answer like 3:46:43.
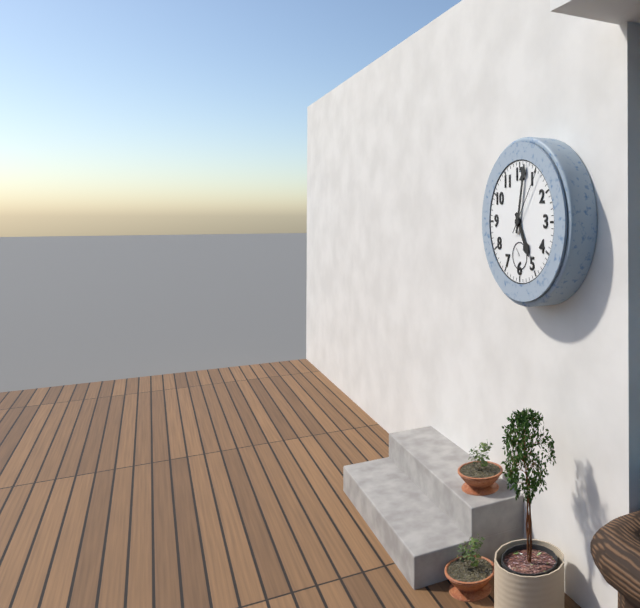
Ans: 5:02:06
